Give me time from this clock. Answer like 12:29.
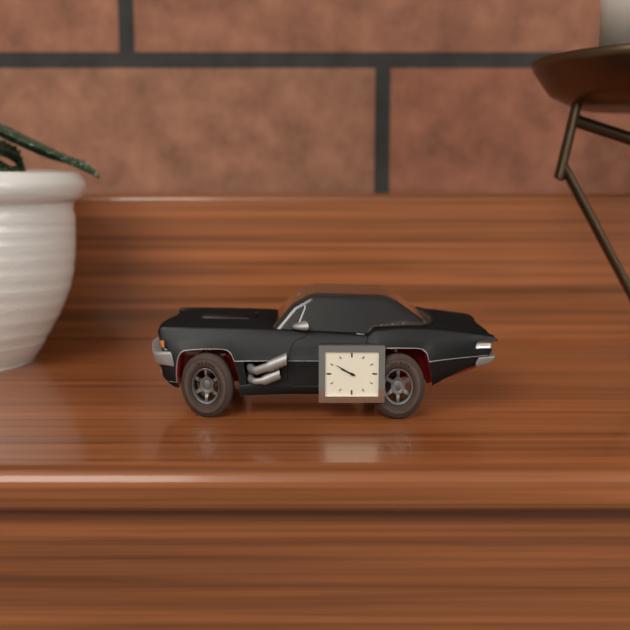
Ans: 9:50
